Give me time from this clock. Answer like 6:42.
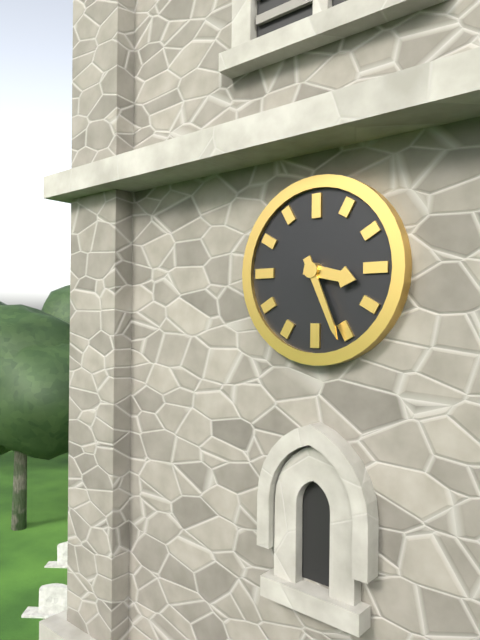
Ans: 3:26
